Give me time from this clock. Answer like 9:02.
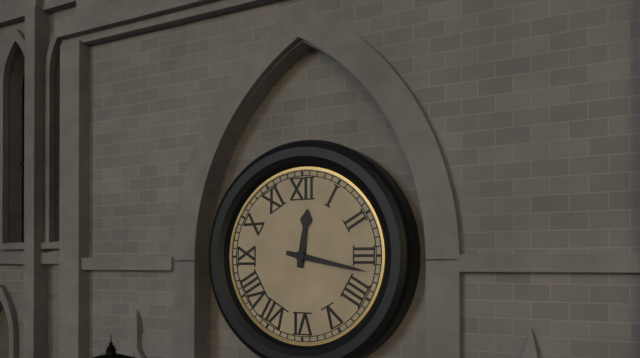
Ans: 12:17
